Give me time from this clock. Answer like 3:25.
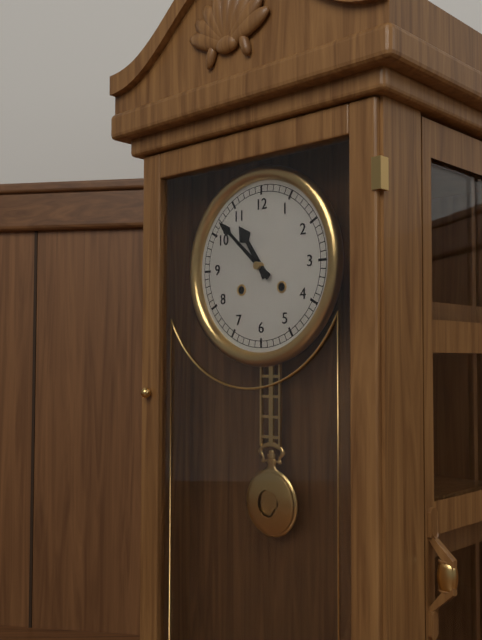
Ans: 10:52
